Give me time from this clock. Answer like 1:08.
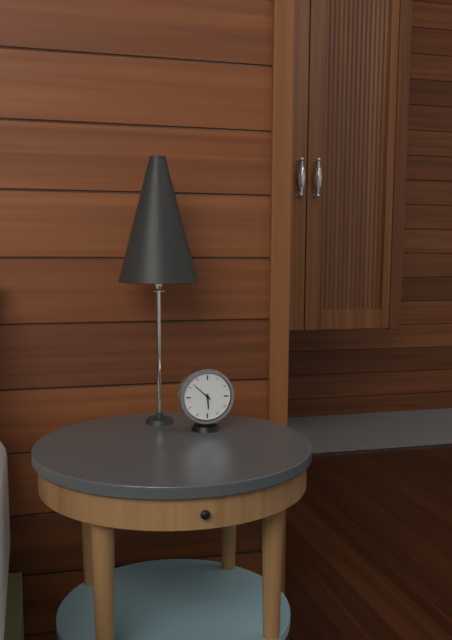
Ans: 5:52
